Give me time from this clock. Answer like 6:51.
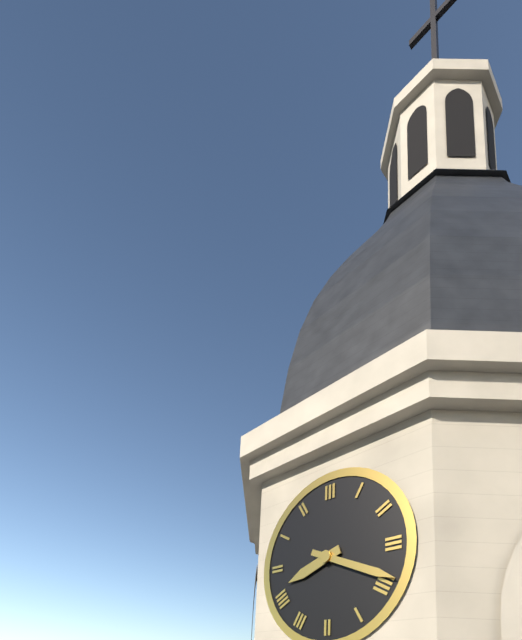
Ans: 8:19
